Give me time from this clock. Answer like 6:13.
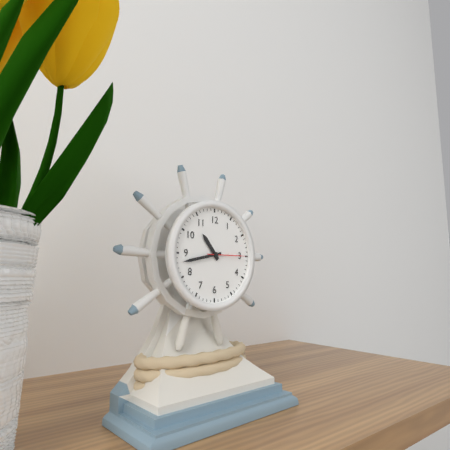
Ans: 10:43
